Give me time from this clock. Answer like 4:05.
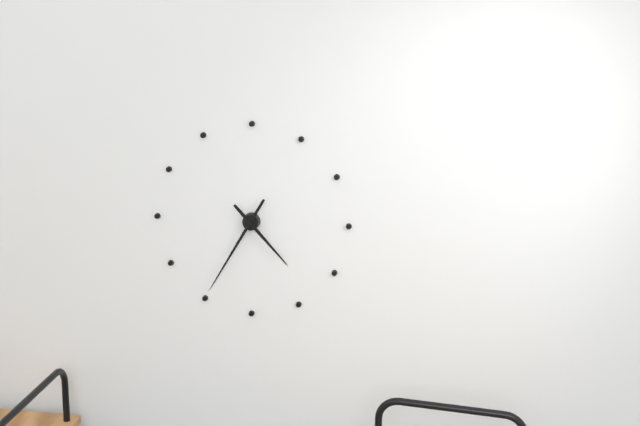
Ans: 4:35
